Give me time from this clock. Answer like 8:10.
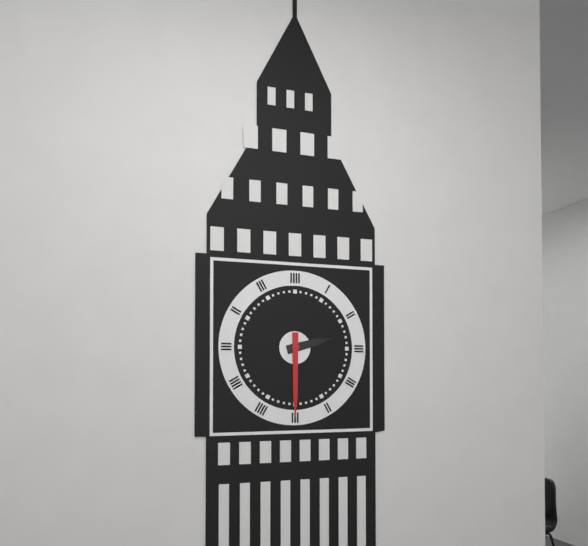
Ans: 2:30
